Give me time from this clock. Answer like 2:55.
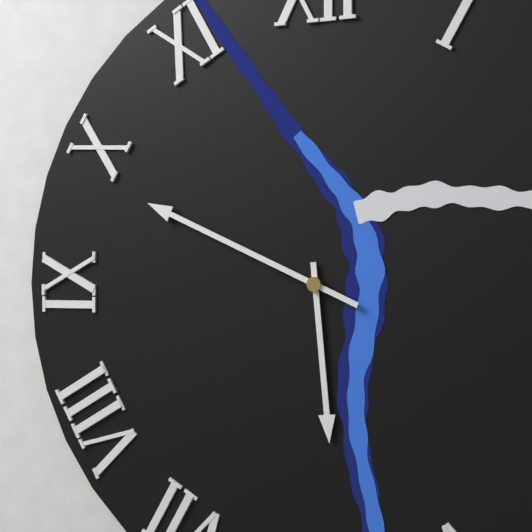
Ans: 5:49
